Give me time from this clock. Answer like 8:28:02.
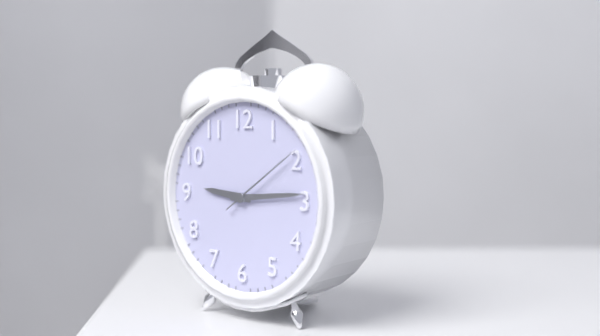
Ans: 9:14:09
